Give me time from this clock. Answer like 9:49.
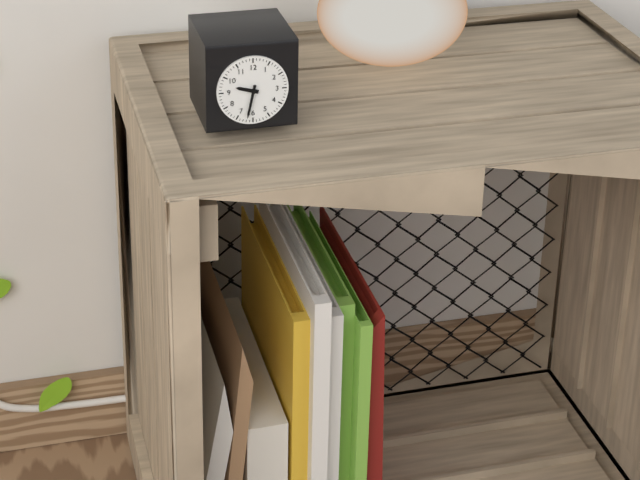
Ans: 9:32
